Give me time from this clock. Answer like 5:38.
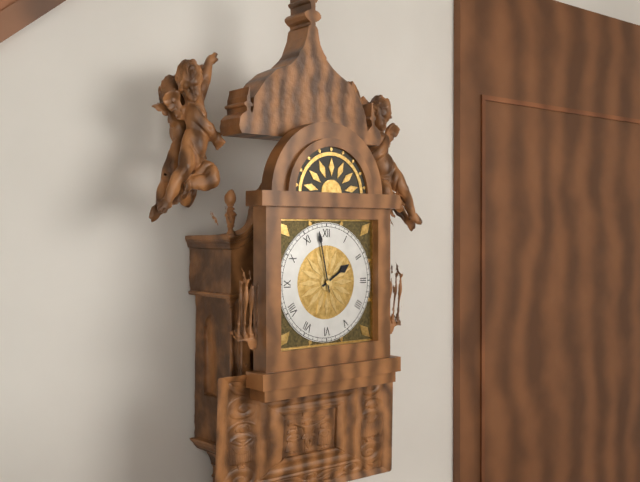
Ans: 1:58
